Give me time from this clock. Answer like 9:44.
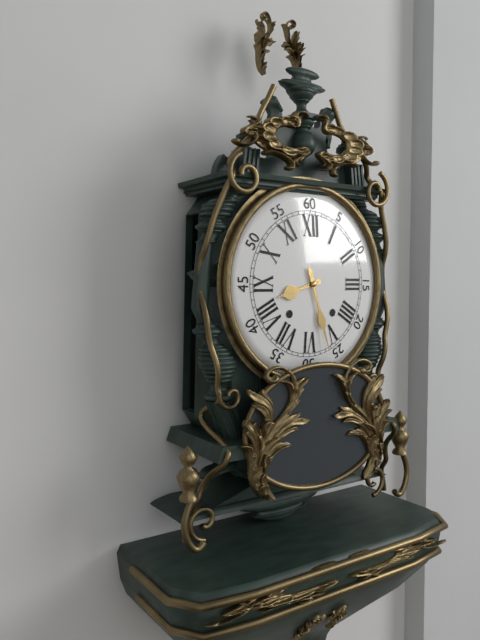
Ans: 8:27
